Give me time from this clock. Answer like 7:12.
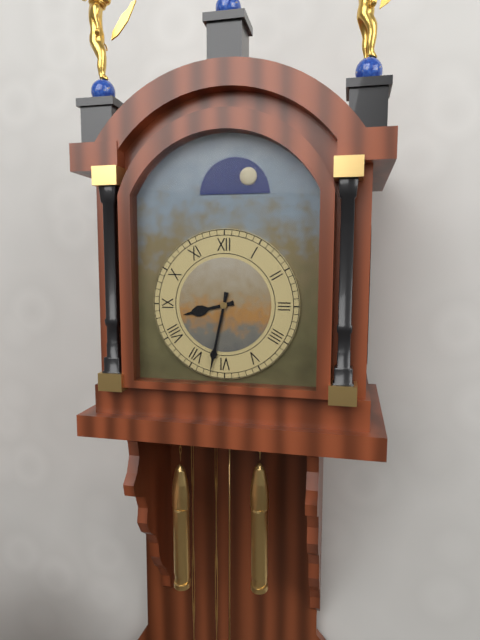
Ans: 8:32
